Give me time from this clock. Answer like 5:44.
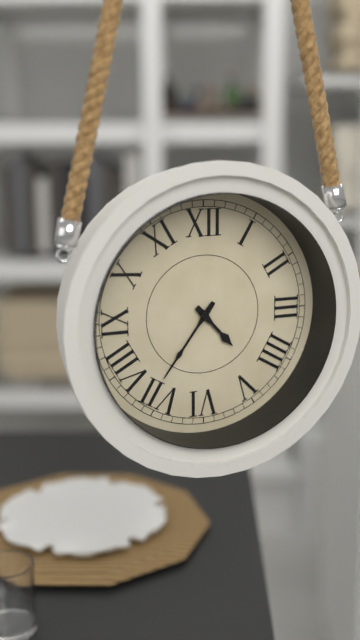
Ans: 4:36
